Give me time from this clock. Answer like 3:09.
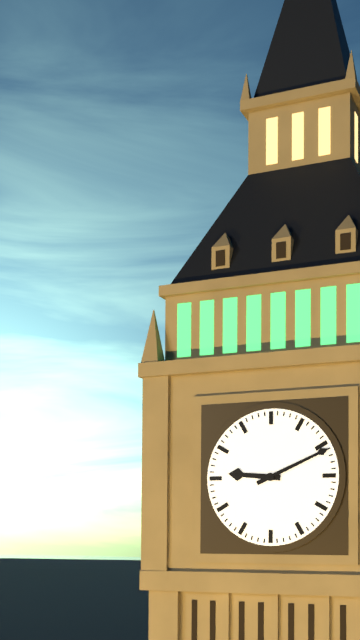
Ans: 9:11
